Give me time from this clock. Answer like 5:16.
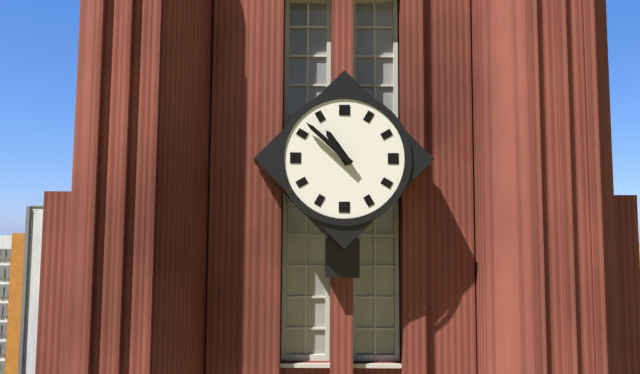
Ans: 10:52
